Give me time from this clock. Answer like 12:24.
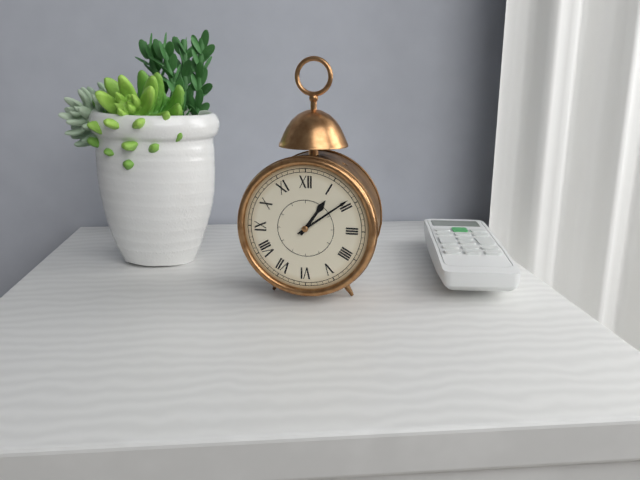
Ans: 1:09
